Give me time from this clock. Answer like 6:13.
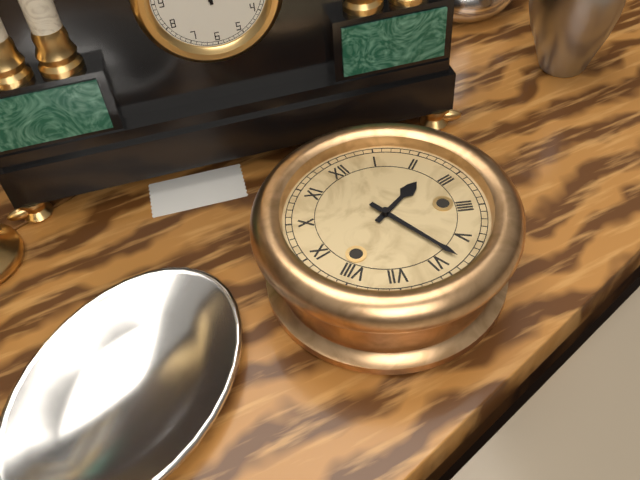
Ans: 2:28
